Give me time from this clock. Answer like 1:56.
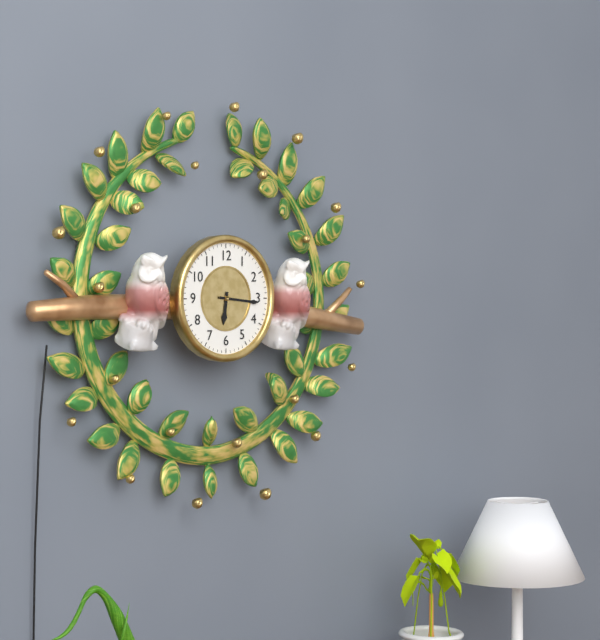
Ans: 6:16
